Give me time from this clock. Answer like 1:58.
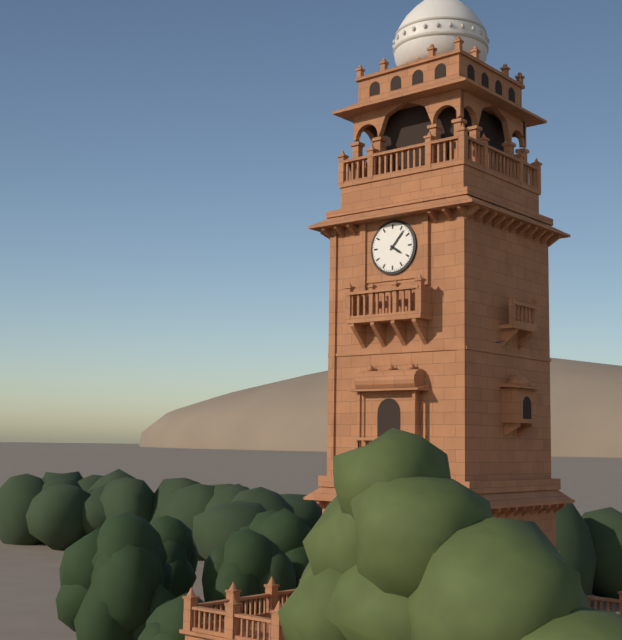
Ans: 4:07
